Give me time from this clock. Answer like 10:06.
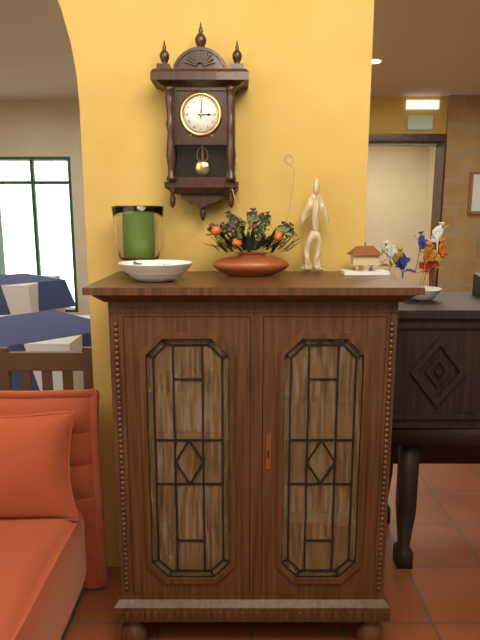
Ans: 3:01
